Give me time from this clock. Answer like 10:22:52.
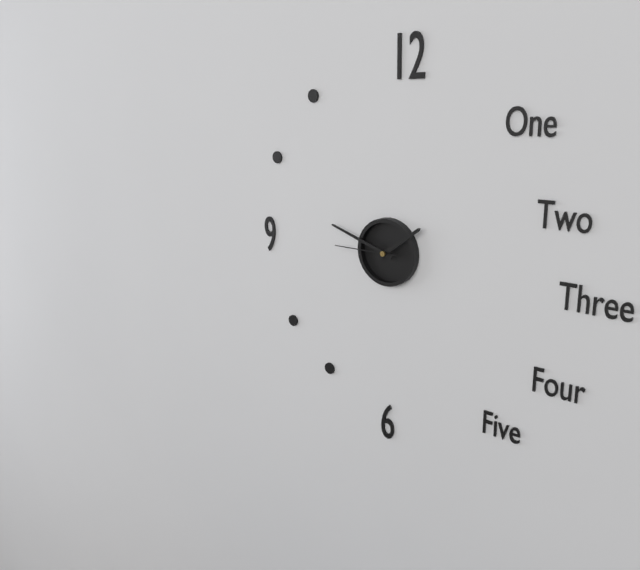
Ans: 1:48:45
